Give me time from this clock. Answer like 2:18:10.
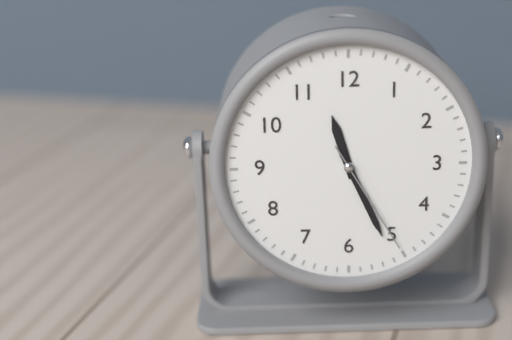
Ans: 11:26:25
